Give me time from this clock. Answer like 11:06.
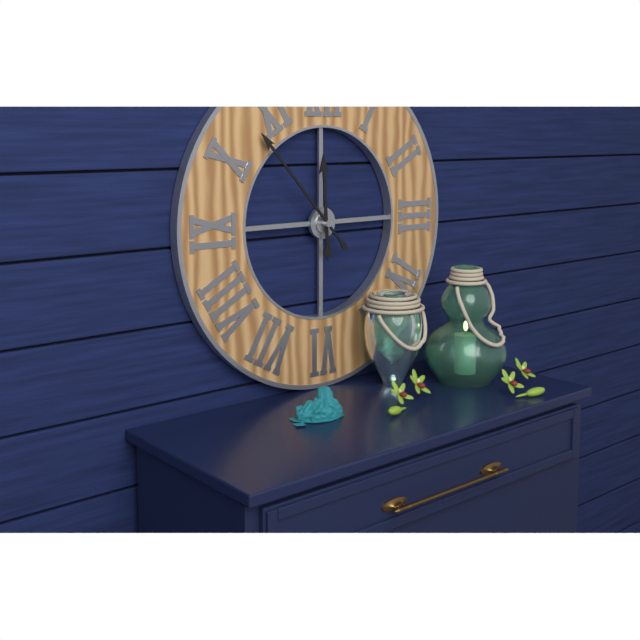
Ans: 11:53
